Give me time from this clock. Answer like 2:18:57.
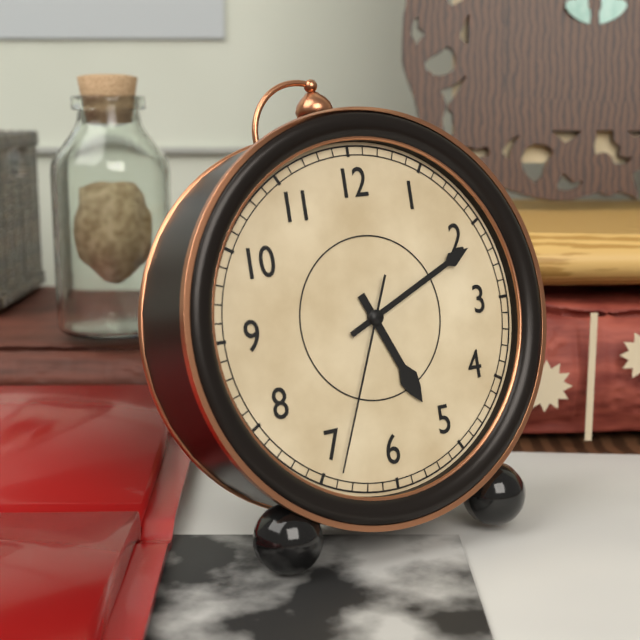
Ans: 5:11:34
